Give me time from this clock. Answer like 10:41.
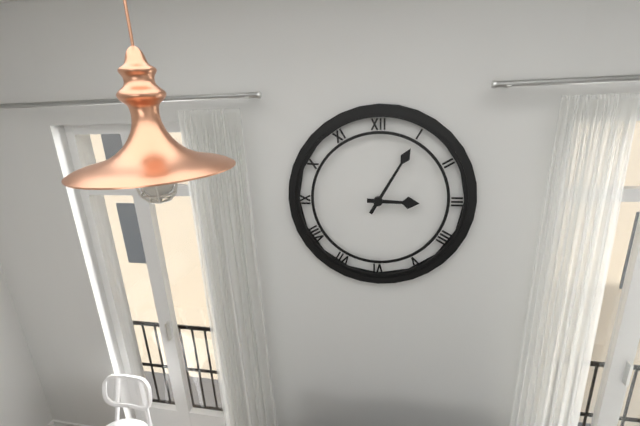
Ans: 3:05
